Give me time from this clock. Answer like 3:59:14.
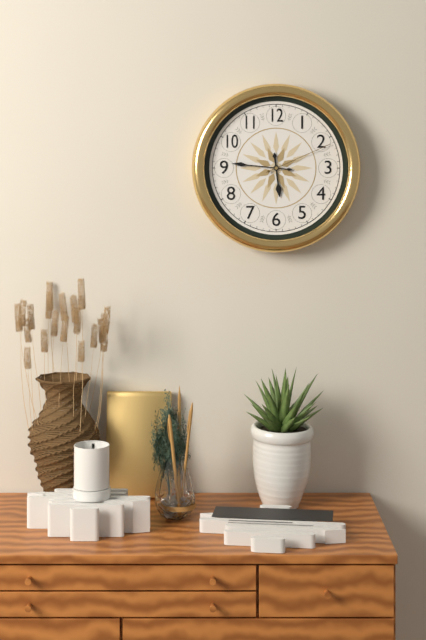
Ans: 5:46:11
